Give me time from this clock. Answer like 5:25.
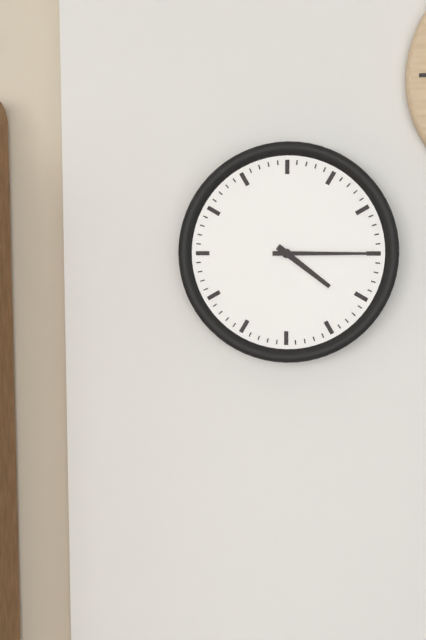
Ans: 4:15
